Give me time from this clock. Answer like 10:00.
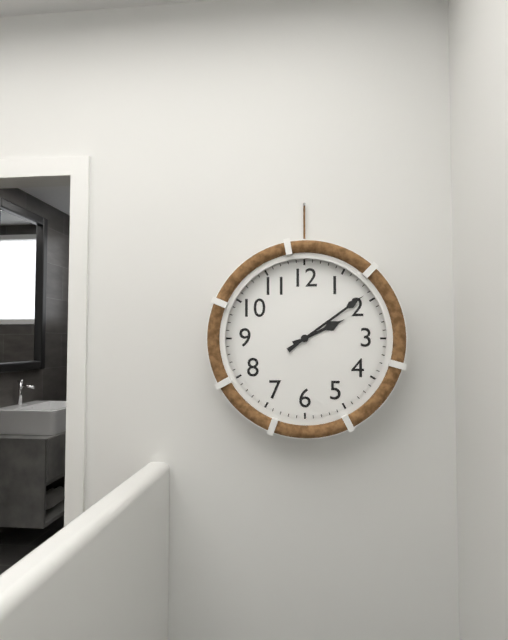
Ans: 2:09
